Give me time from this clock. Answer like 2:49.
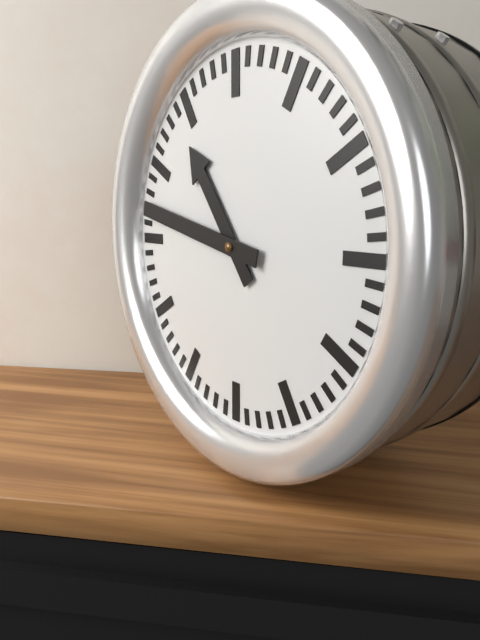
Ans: 10:47
